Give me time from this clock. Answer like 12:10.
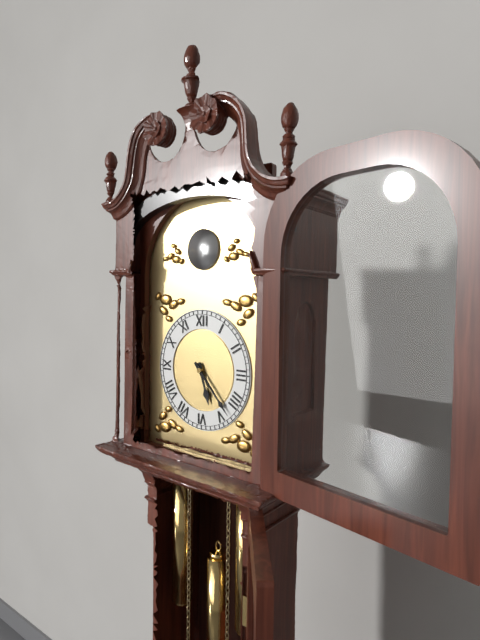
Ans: 5:23
